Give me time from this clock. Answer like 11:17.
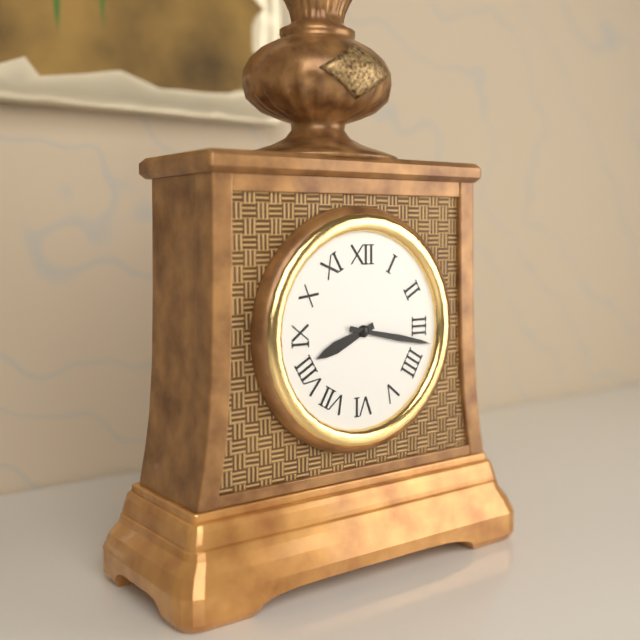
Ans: 8:17
